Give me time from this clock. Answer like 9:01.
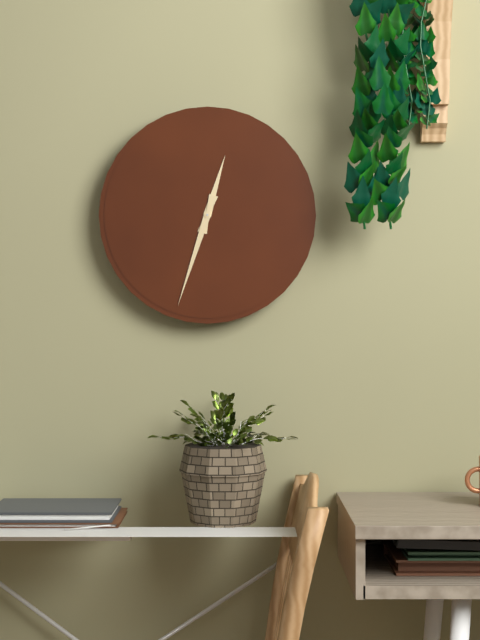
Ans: 12:33
